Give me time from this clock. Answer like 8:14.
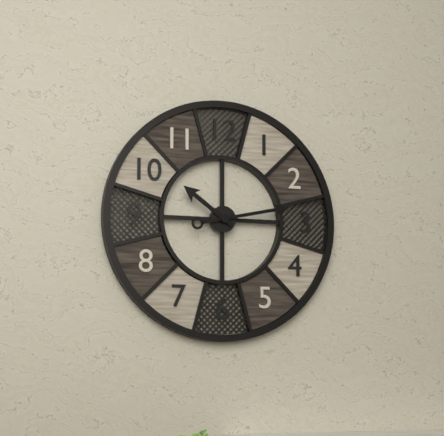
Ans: 10:13
